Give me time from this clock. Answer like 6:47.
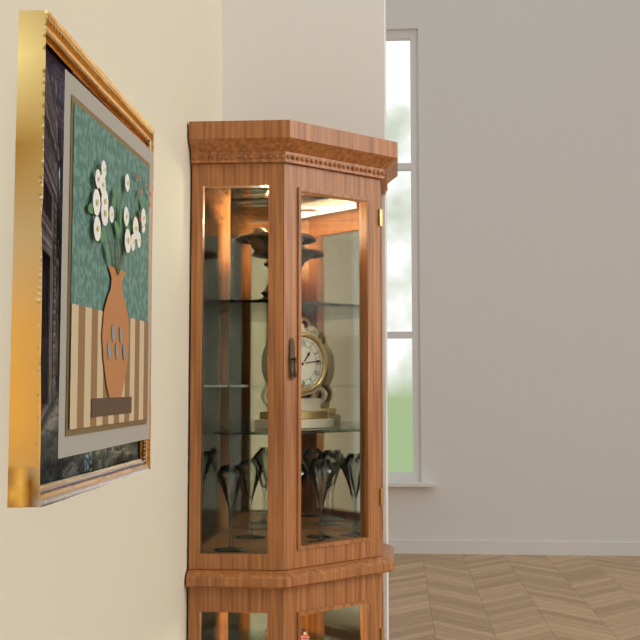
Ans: 1:14
